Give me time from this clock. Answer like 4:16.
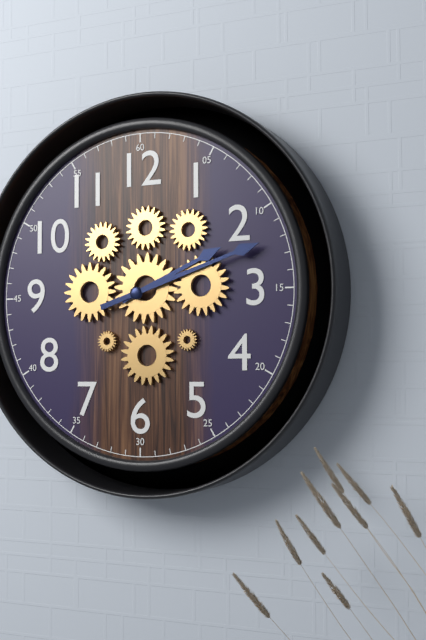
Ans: 2:12
